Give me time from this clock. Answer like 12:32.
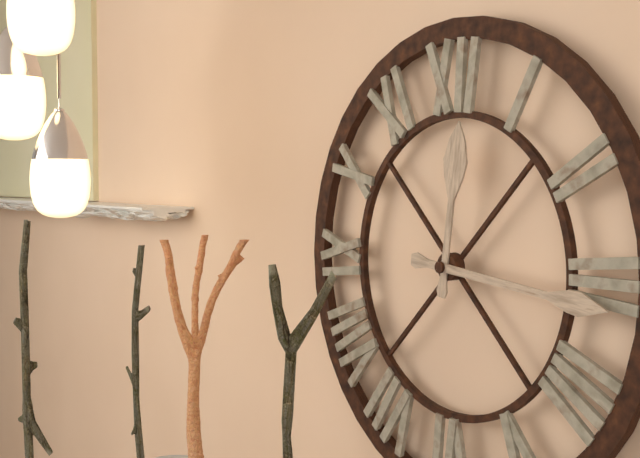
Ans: 12:16
